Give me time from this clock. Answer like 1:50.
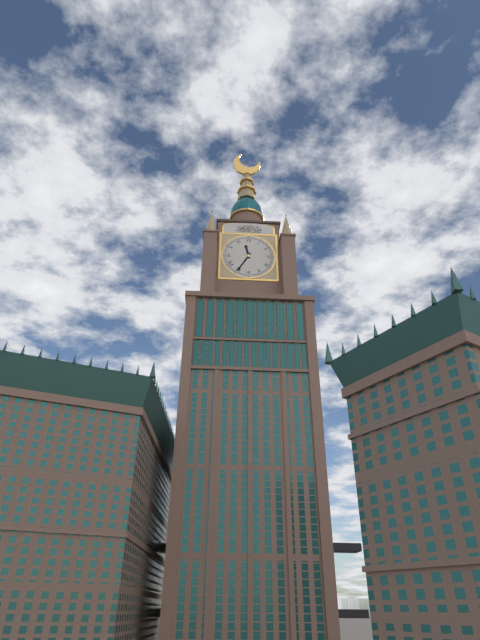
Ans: 11:35
